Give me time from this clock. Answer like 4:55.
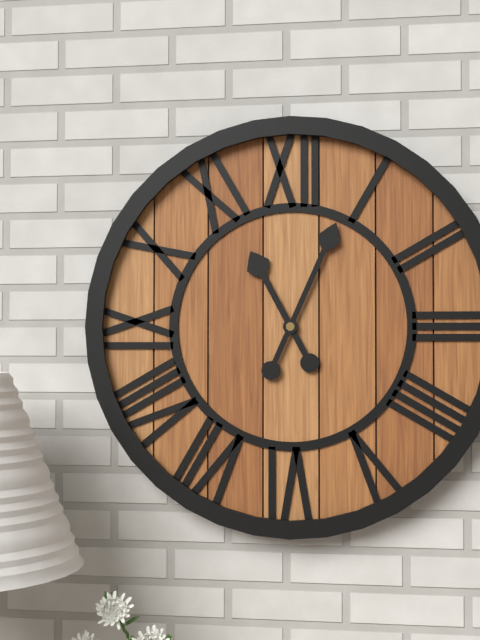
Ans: 11:04
